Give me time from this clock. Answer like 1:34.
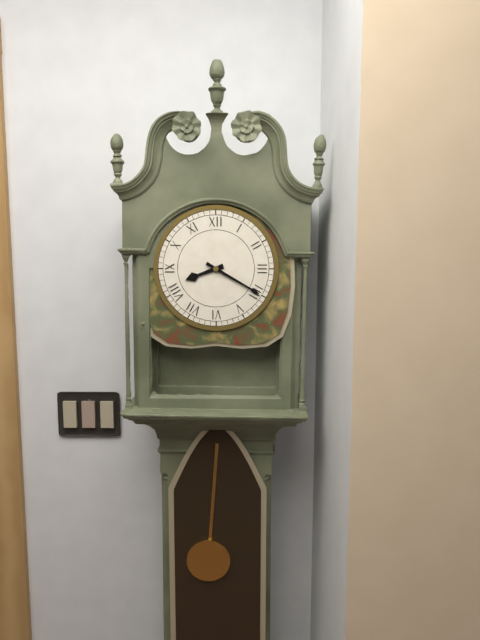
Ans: 8:20
